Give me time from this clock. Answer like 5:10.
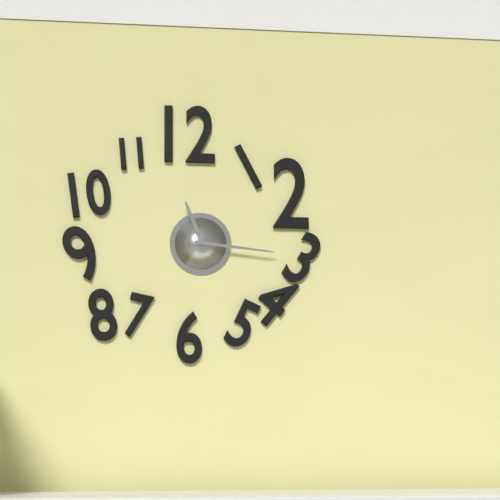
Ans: 11:16
